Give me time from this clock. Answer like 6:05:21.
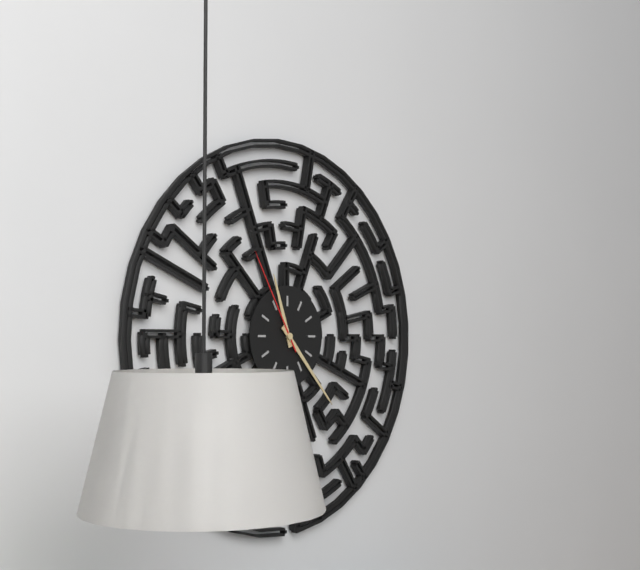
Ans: 11:23:55
